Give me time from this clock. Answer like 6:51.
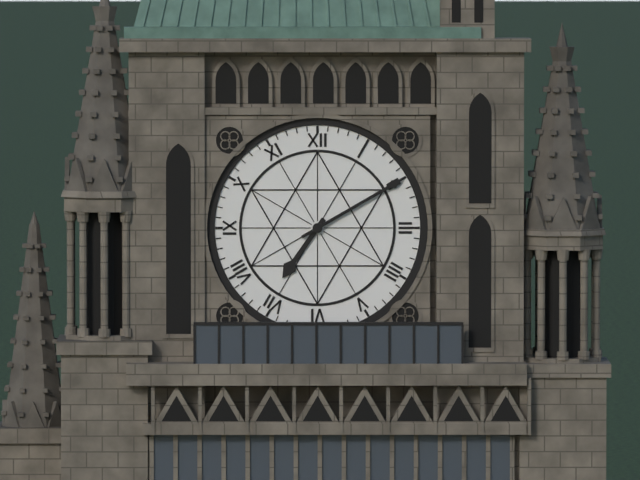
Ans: 7:10
